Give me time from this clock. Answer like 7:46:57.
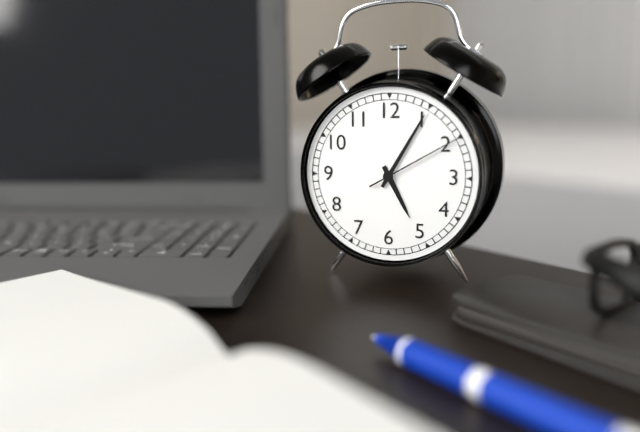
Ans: 5:05:10
